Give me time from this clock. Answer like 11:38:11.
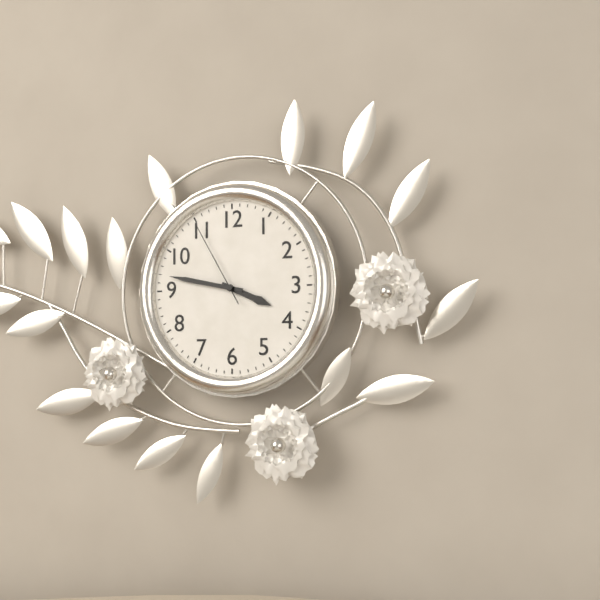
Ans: 3:47:55
